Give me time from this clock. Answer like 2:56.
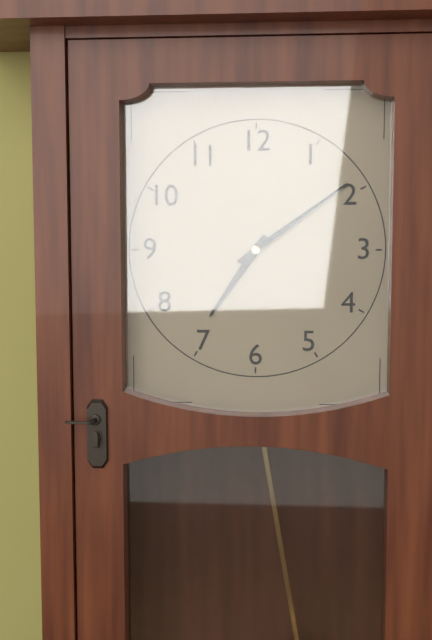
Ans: 7:09
